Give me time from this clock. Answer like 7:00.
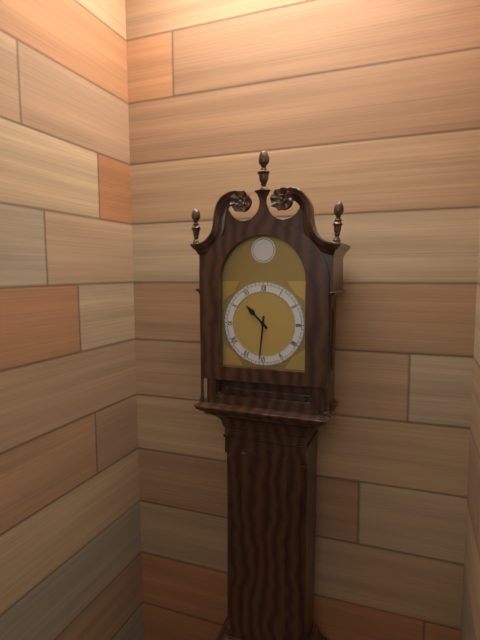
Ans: 10:31
